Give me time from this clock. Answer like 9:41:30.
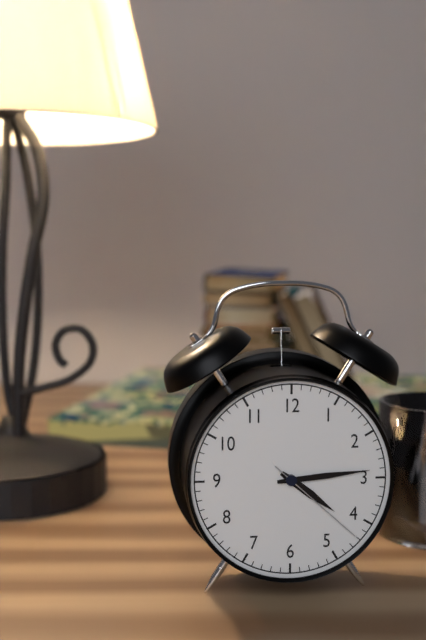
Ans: 4:14:22
